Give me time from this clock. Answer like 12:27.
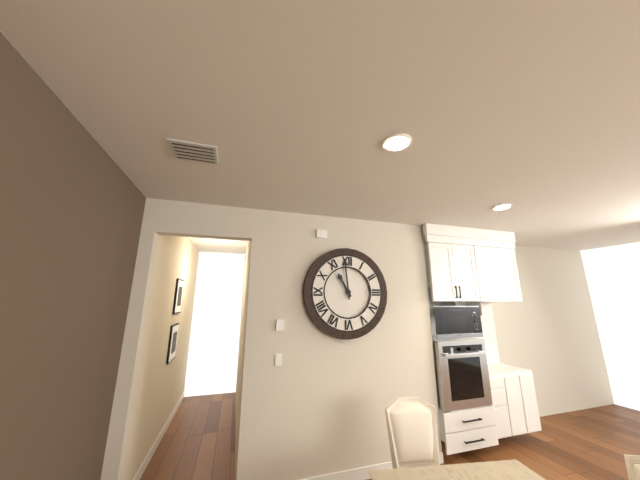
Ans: 10:59
